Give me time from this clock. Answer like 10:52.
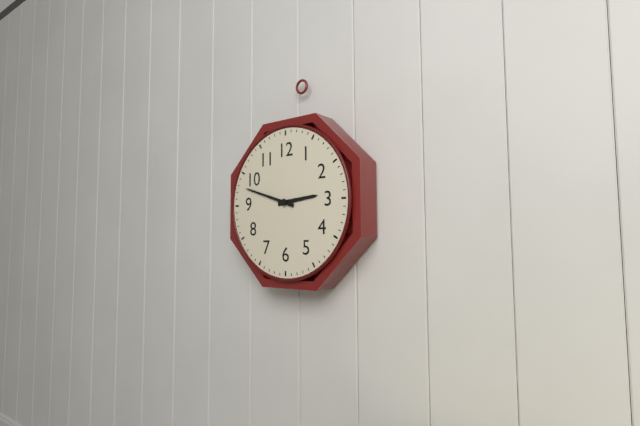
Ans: 2:48
